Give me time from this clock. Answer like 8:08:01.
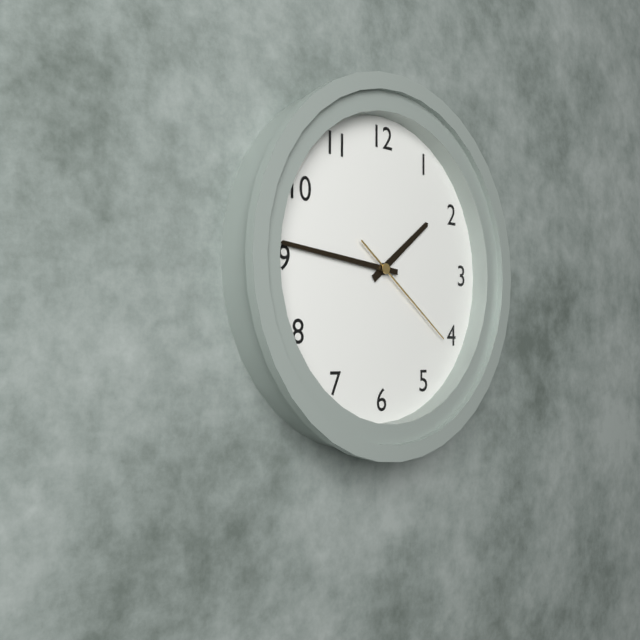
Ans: 1:46:21
